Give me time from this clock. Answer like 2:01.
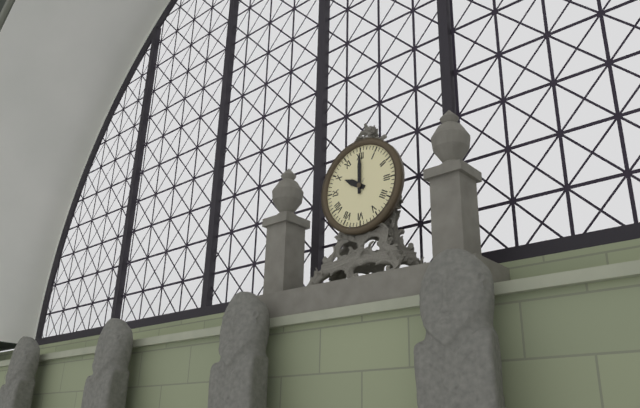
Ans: 10:00
